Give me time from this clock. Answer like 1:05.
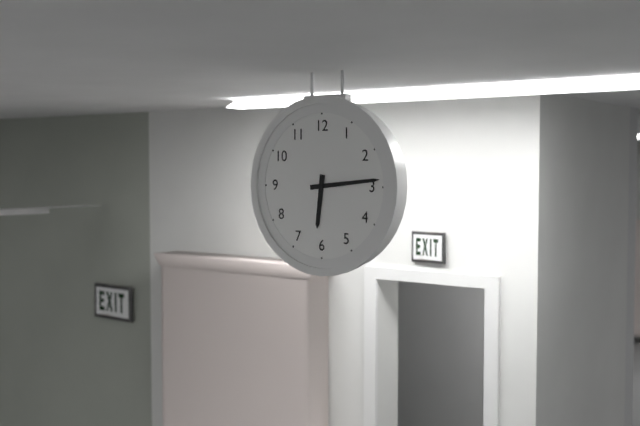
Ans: 6:14
